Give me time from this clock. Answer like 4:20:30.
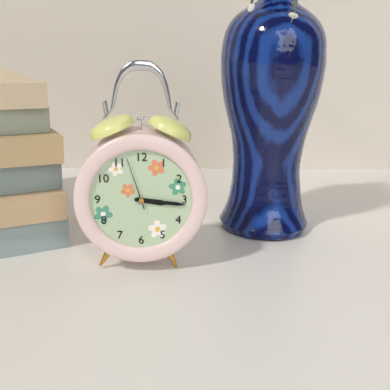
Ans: 3:16:57
